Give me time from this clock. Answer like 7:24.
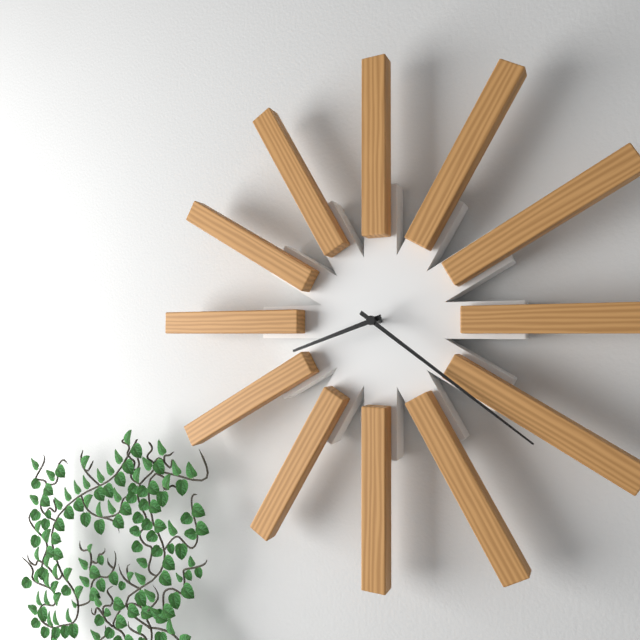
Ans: 8:21
